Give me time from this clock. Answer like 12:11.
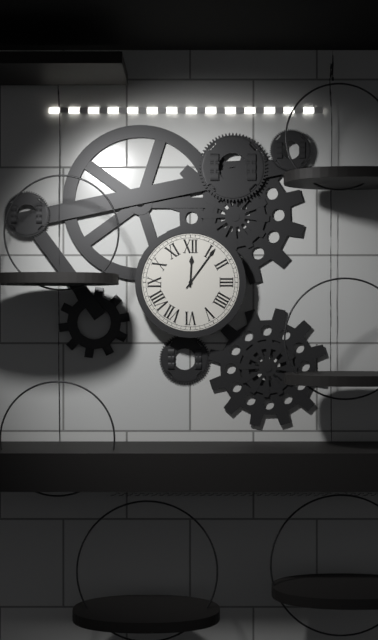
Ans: 12:06
